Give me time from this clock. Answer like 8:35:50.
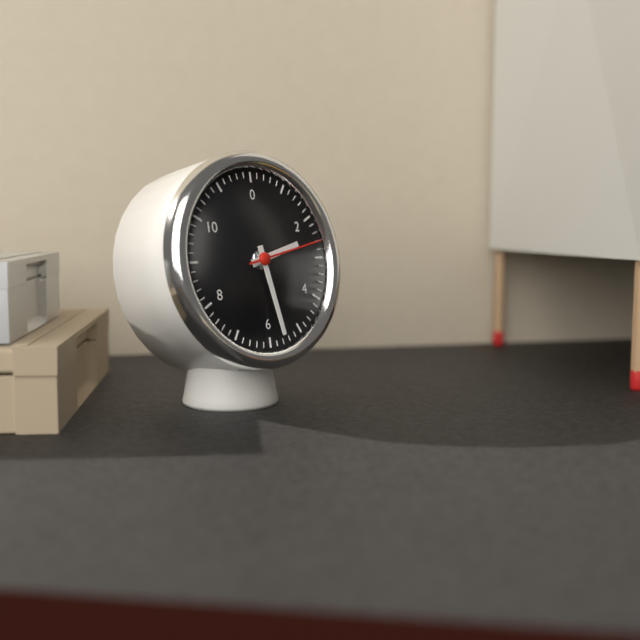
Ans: 2:28:13
